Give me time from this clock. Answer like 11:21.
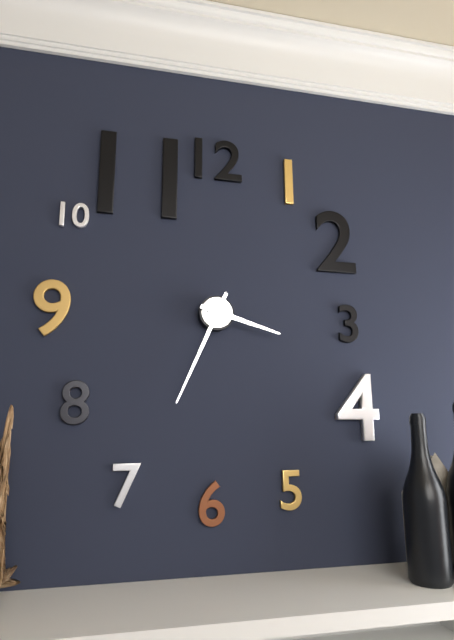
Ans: 3:34
